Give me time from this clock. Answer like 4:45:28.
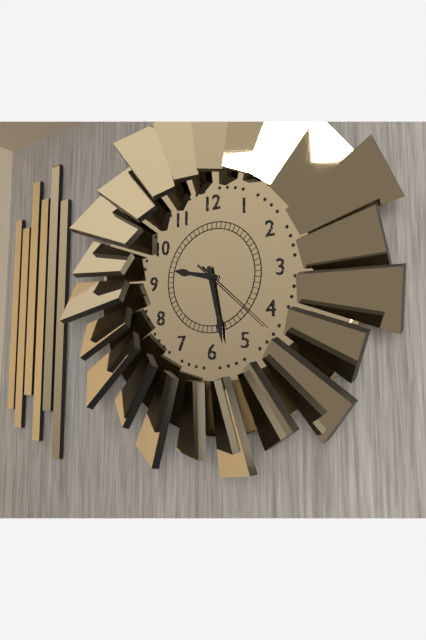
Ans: 9:28:22
